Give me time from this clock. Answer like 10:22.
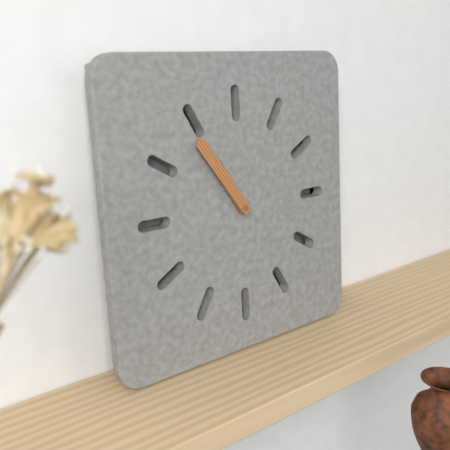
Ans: 10:54
